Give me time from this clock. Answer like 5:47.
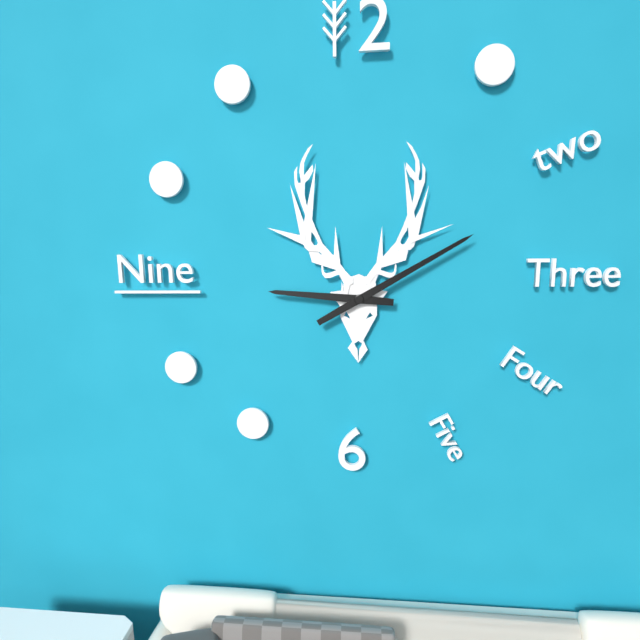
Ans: 9:10
